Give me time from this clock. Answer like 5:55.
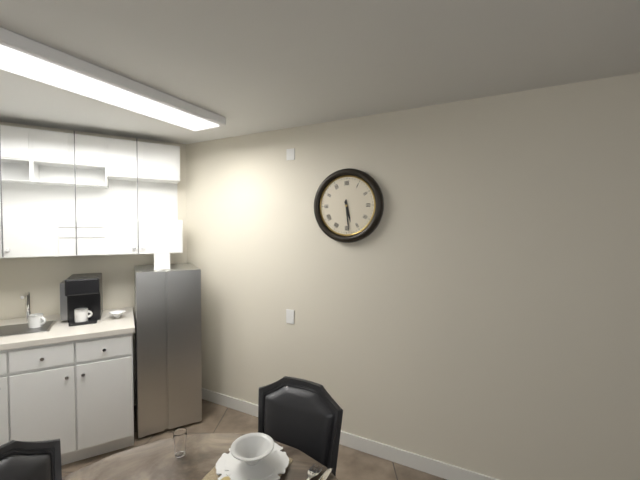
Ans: 5:29
